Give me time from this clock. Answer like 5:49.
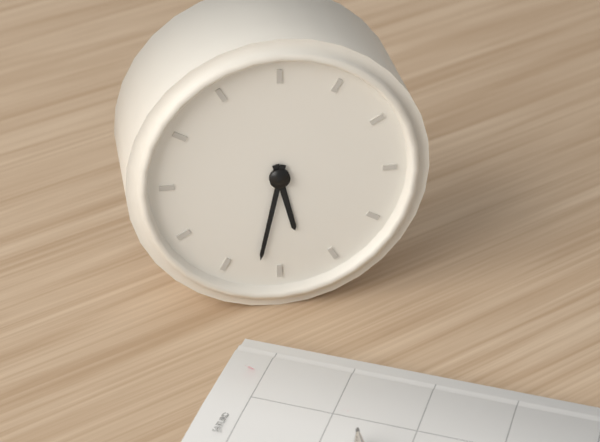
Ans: 5:32
